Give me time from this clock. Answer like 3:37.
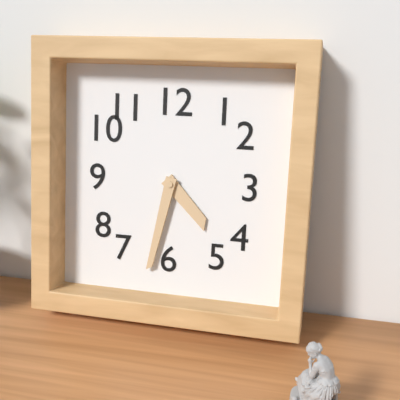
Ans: 4:32
